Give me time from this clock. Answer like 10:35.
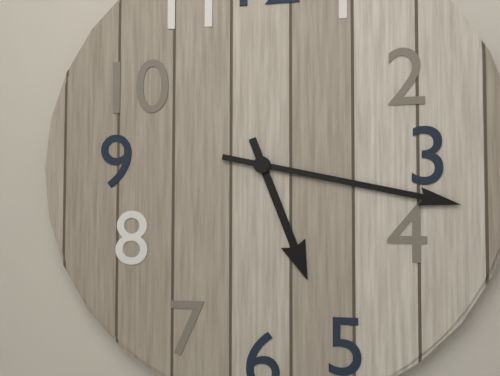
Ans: 5:17
